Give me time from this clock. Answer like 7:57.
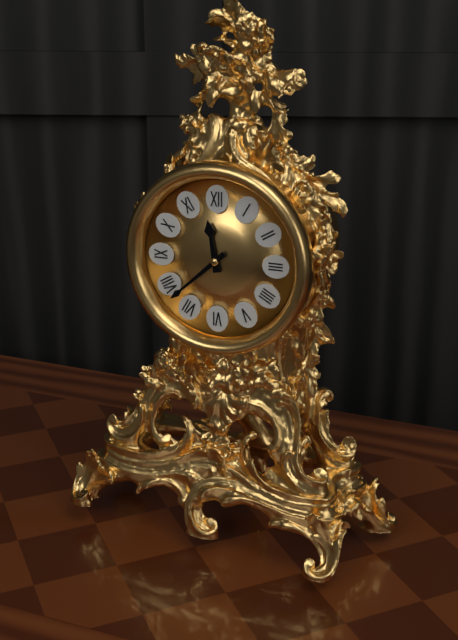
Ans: 11:38
